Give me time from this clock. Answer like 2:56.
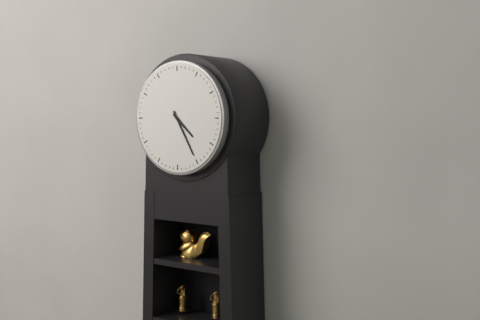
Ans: 4:25
